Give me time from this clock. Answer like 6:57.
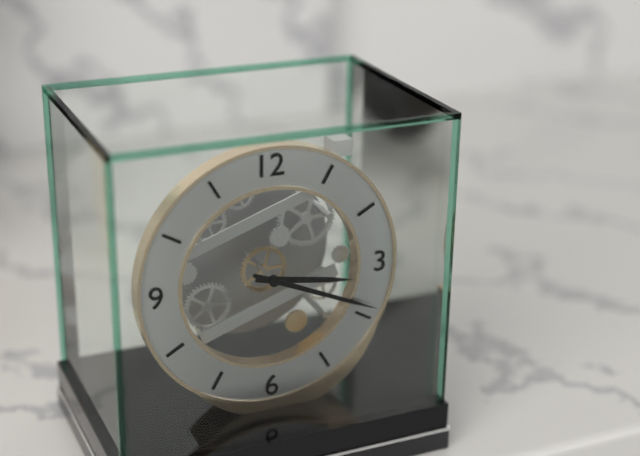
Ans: 3:19
